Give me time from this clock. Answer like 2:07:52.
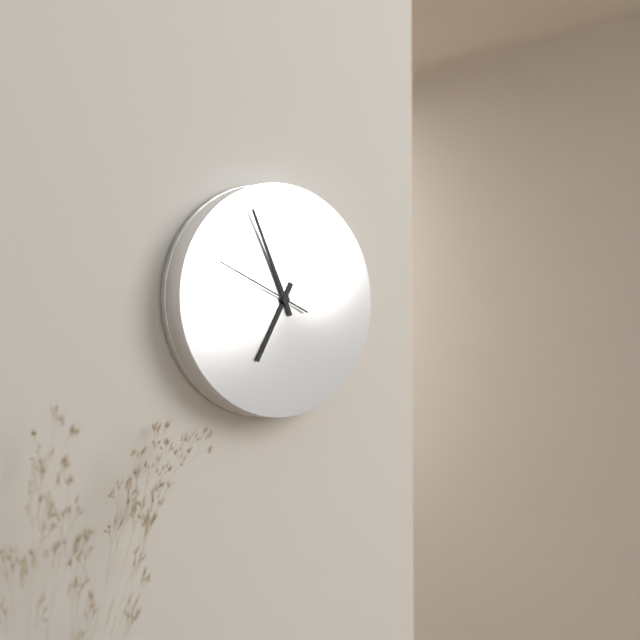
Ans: 6:56:49
